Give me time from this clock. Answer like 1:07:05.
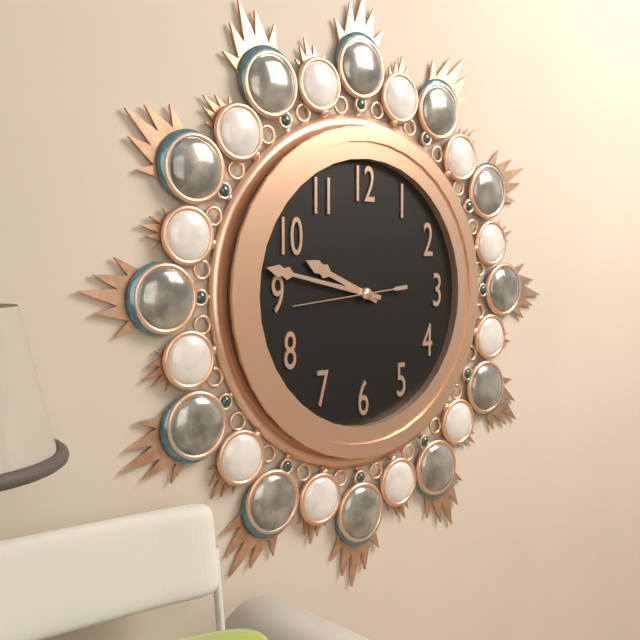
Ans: 9:47:44
